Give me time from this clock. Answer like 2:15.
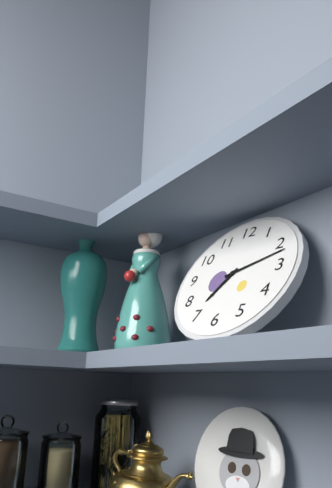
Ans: 7:12
